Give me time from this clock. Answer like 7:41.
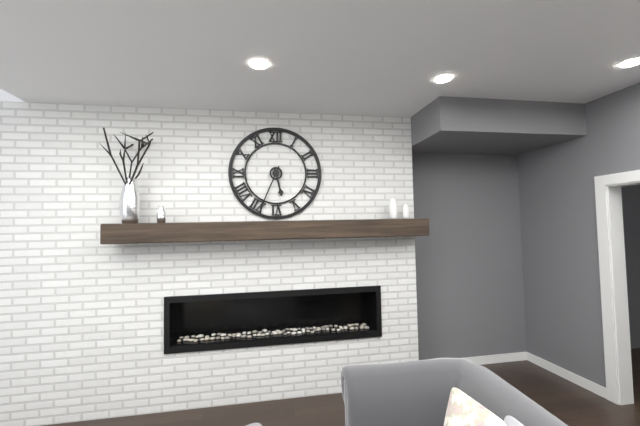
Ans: 5:34
